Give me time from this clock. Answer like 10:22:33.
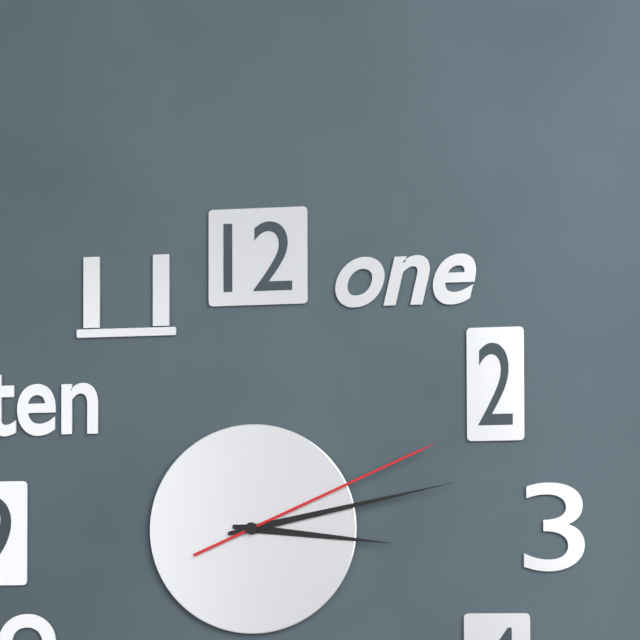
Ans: 3:13:11
